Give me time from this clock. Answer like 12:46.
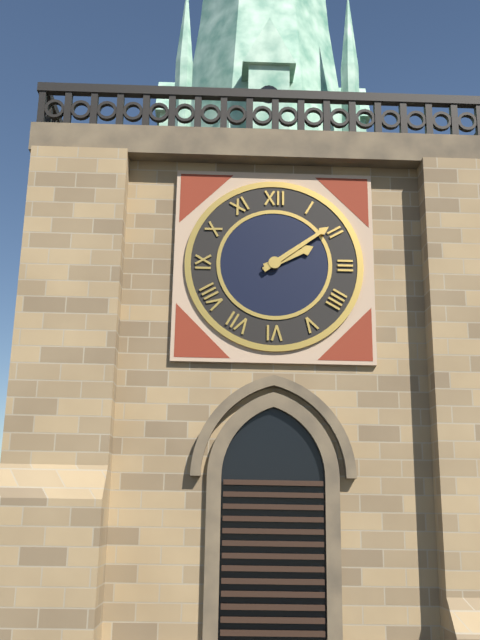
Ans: 2:09
